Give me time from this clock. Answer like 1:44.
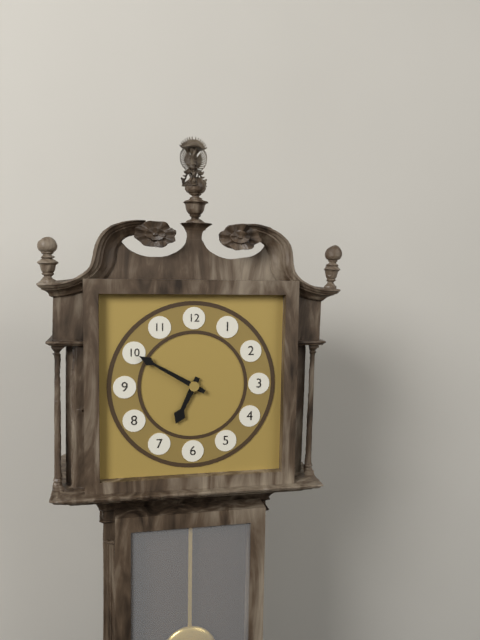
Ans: 6:50
